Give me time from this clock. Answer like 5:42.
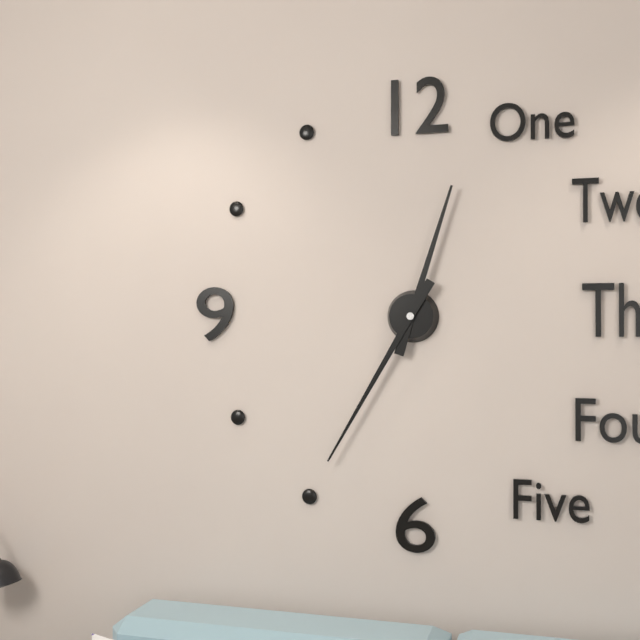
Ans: 12:35
